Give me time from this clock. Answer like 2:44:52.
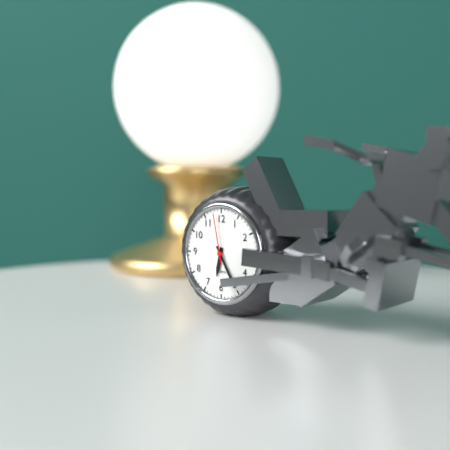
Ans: 6:25:58
